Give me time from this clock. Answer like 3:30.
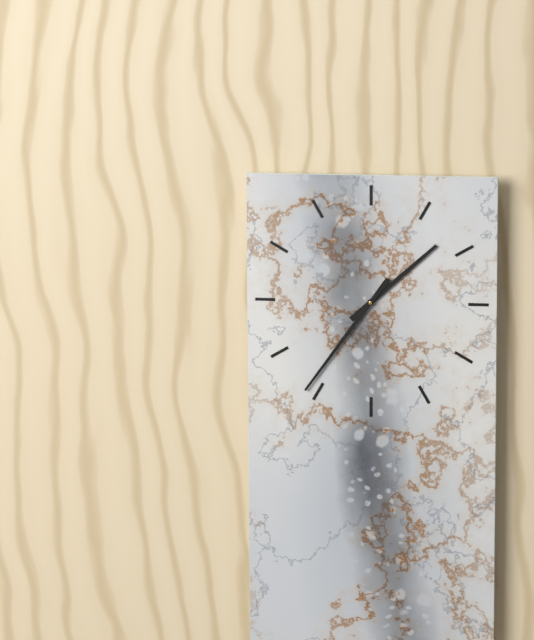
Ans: 1:36
